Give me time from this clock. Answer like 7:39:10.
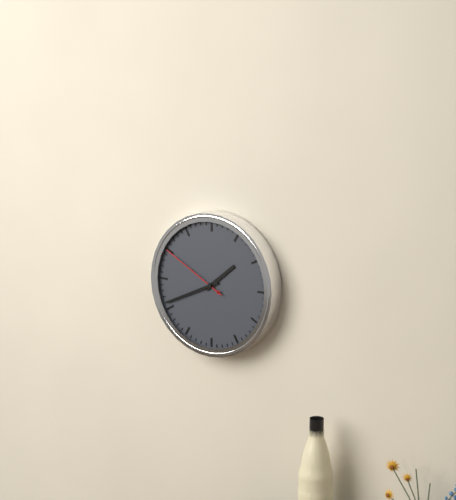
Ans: 1:41:50
